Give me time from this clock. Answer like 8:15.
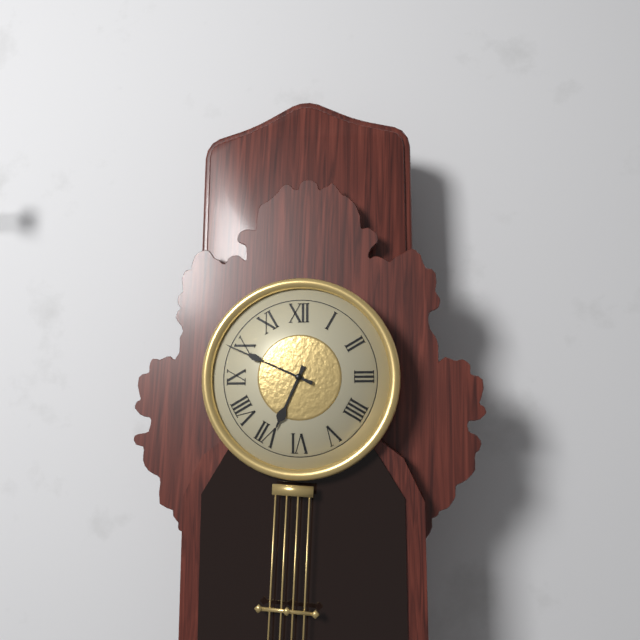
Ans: 6:49
